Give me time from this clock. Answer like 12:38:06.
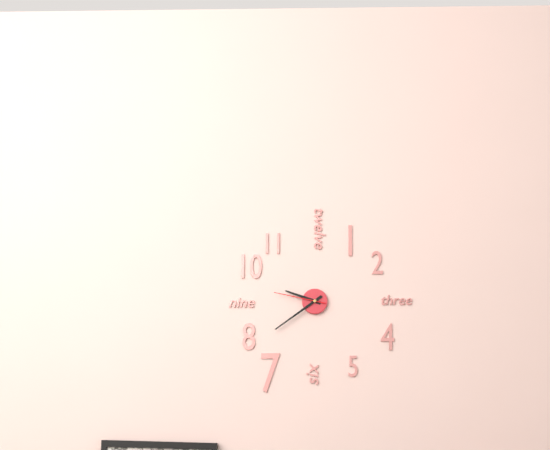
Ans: 9:39:47
